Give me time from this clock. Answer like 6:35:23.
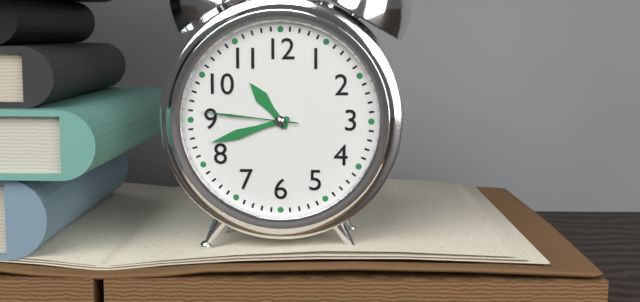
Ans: 10:42:46
